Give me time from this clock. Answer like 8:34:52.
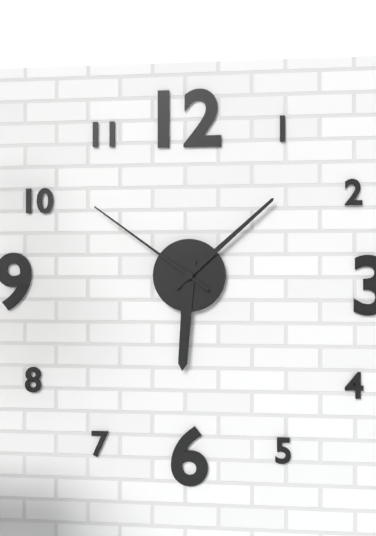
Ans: 6:08:51
